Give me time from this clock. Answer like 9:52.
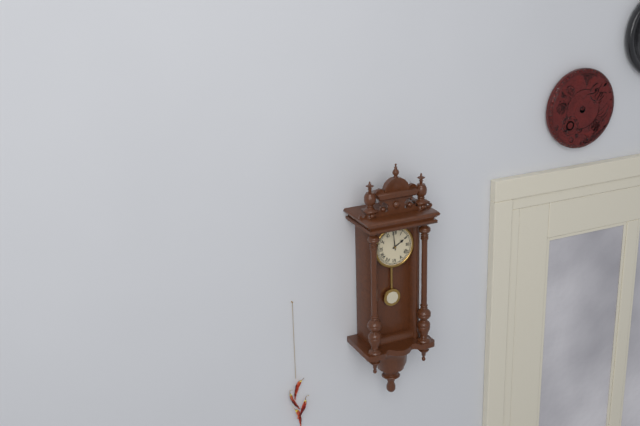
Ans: 1:59
